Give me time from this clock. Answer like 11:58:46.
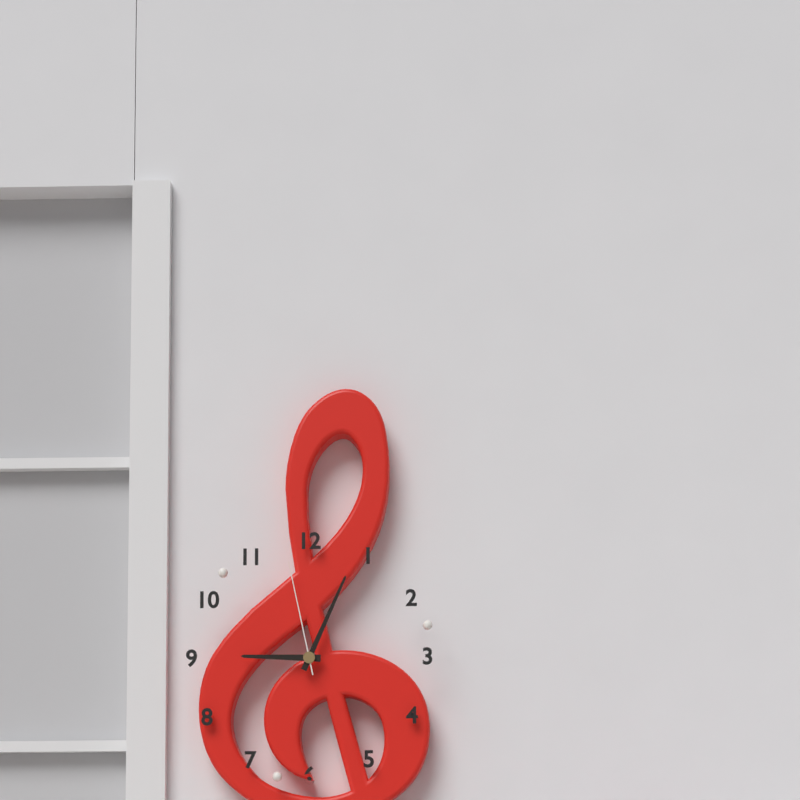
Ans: 9:04:58
